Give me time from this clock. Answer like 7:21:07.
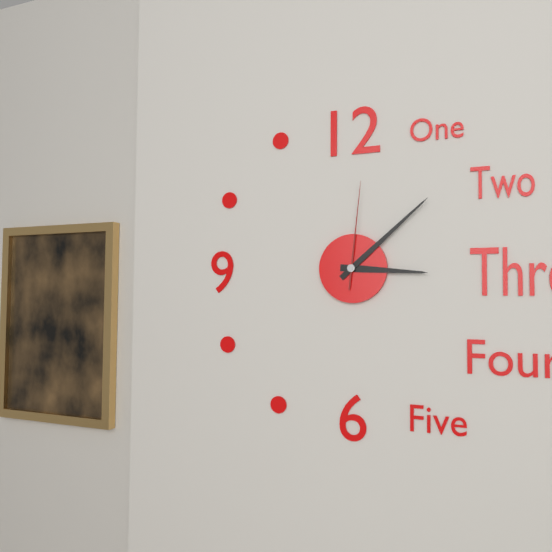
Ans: 3:08:01
